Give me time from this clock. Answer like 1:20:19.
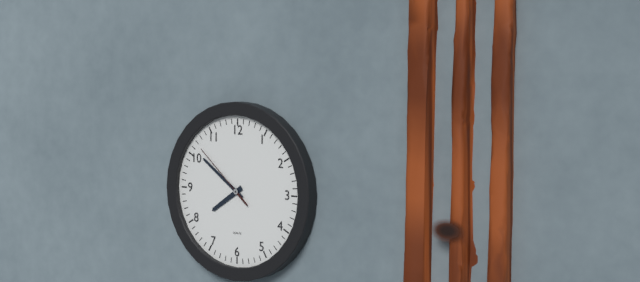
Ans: 7:51:52
